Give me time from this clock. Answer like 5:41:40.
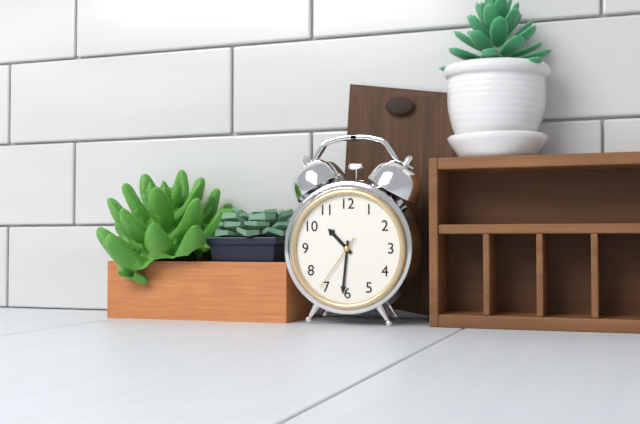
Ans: 10:31:36
